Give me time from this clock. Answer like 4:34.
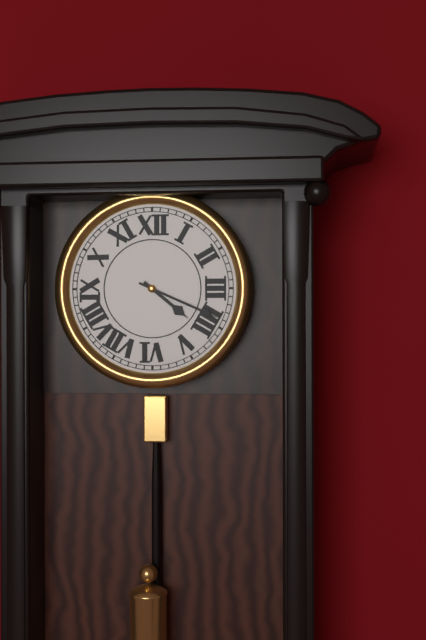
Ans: 4:19
